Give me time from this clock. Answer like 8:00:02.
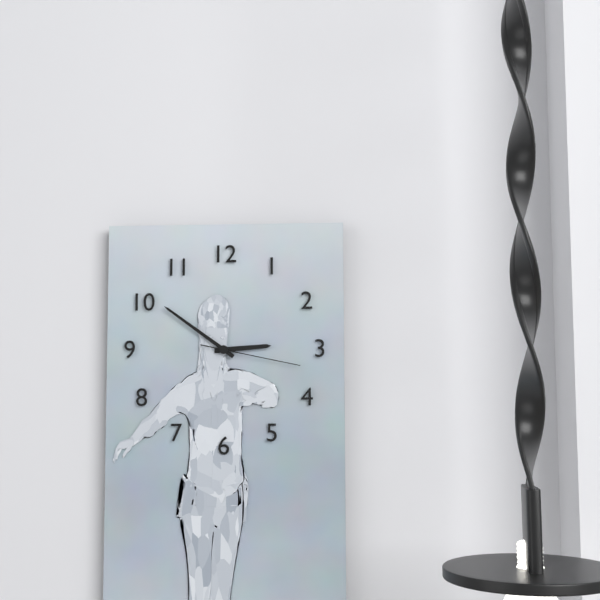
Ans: 2:51:17
